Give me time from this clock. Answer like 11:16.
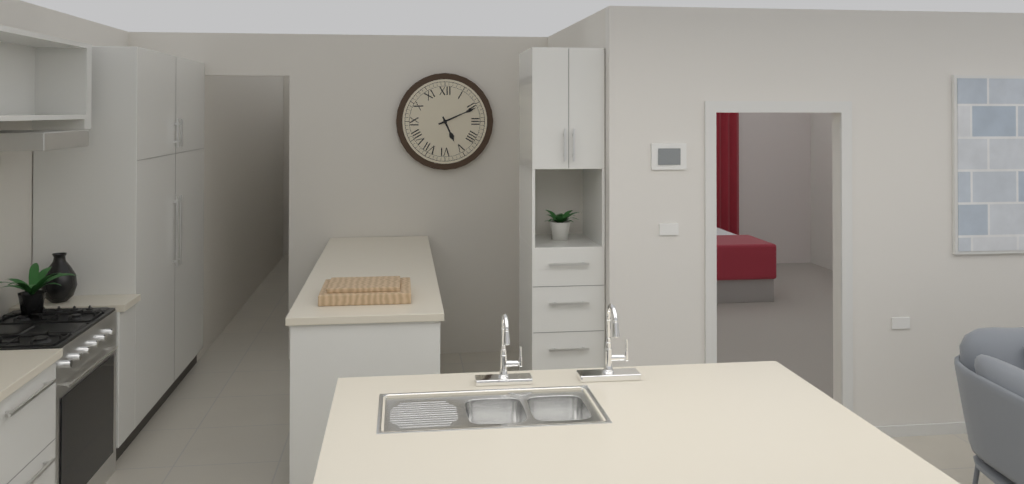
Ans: 5:11
